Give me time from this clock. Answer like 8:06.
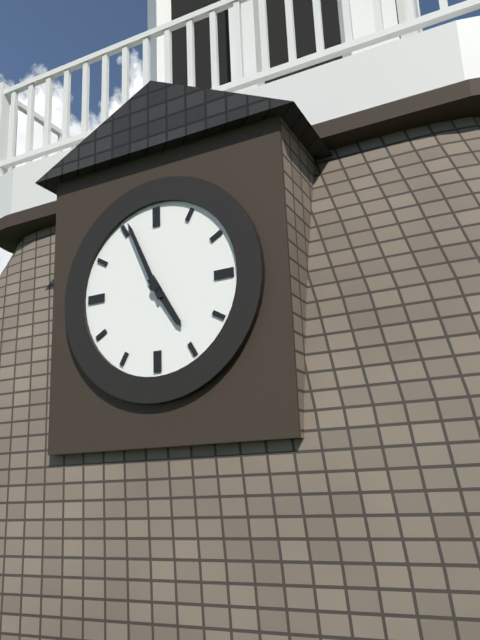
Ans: 4:56
